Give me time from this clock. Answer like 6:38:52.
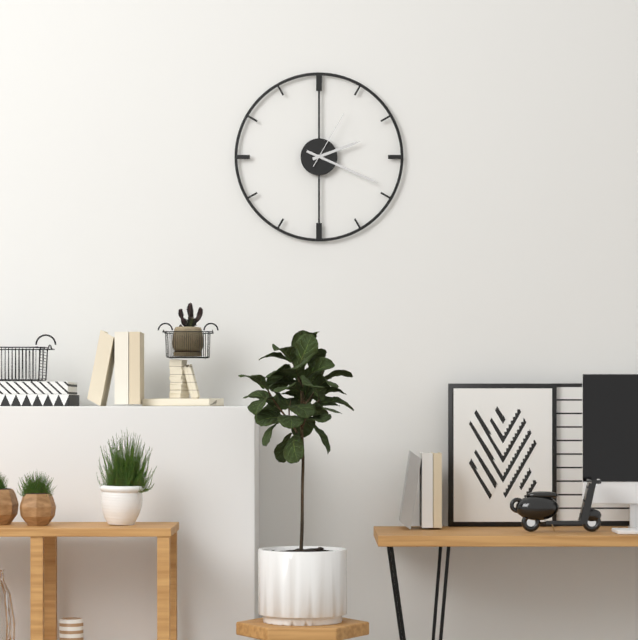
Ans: 2:19:05
